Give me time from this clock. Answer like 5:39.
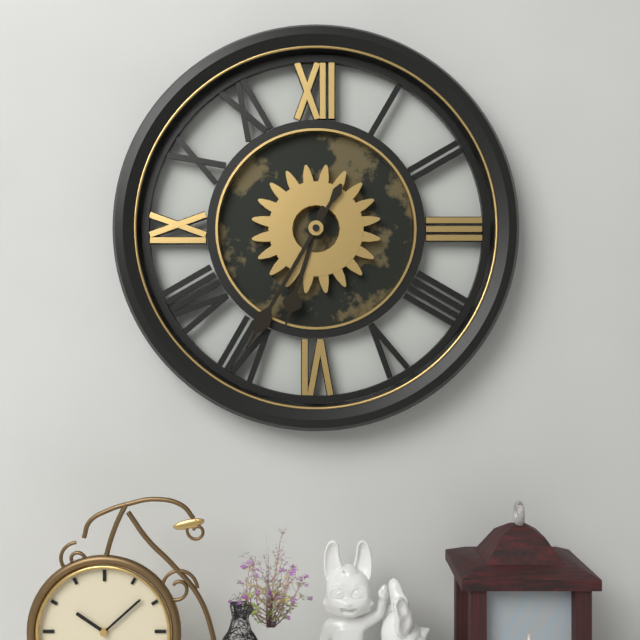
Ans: 6:35
